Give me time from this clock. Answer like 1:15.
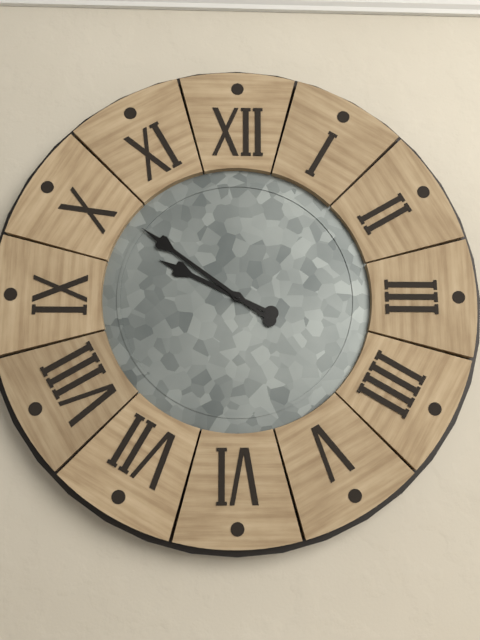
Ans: 9:51
